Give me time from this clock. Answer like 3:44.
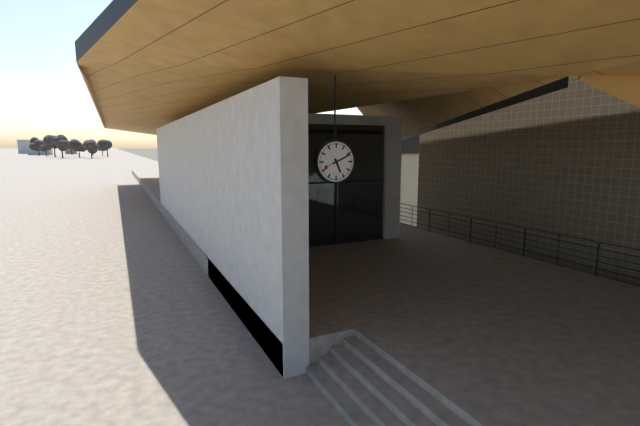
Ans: 5:11
